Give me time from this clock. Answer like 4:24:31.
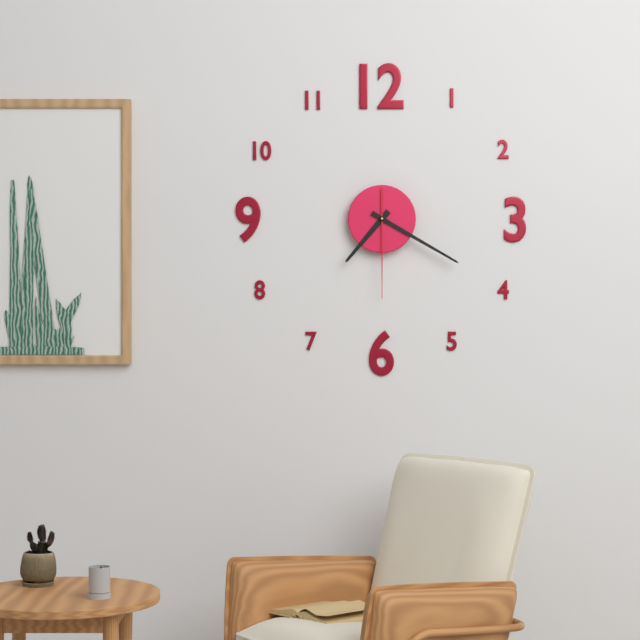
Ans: 7:20:30
